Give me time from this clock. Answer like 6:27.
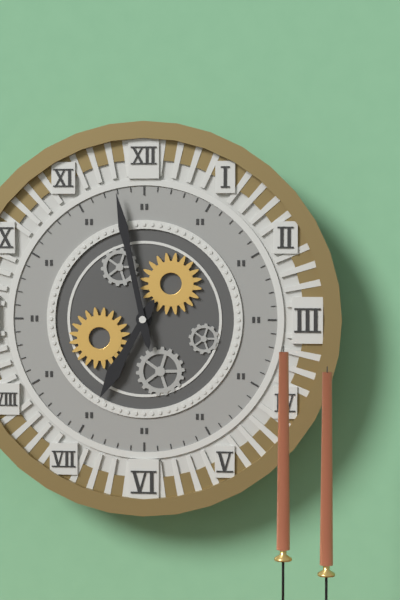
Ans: 6:58
